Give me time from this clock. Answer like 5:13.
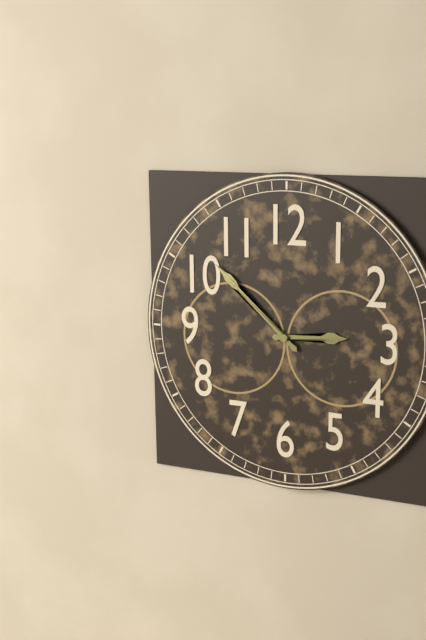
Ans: 2:52
